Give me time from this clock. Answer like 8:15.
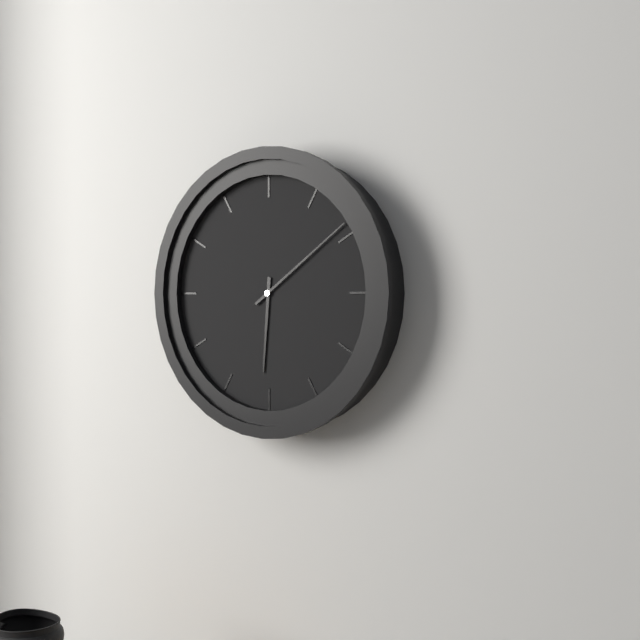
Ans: 6:09
